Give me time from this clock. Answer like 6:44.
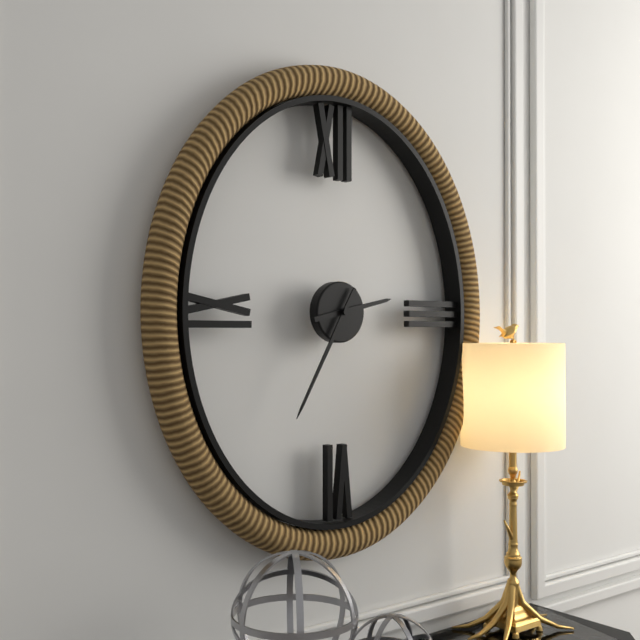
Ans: 2:35
